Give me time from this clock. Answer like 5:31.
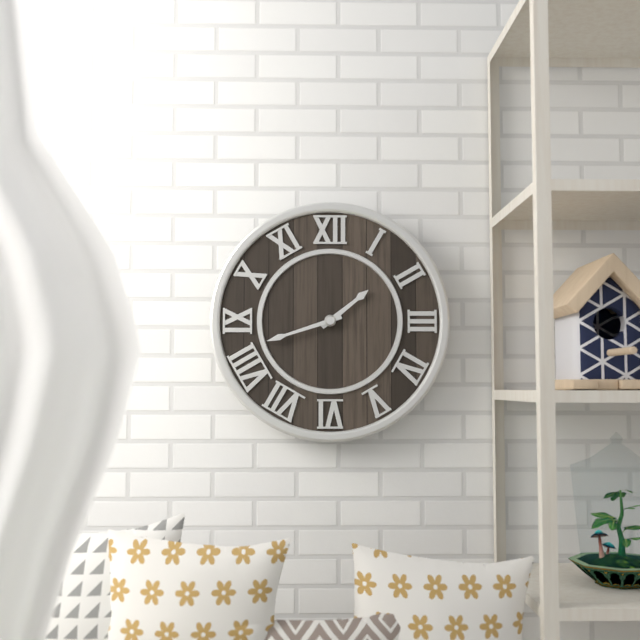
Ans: 1:42
